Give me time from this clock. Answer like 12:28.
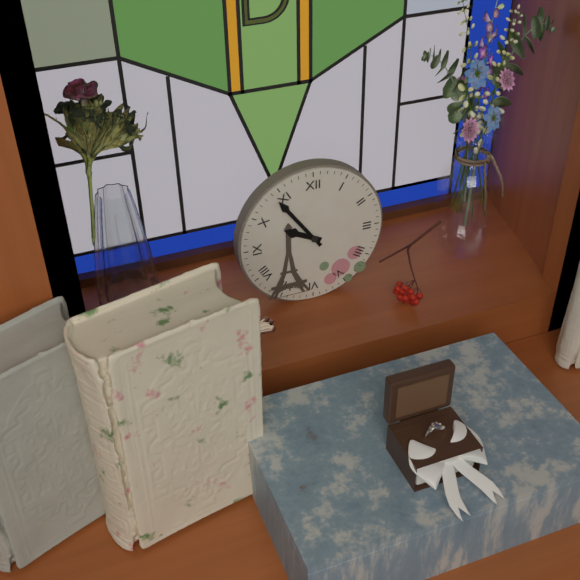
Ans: 9:54
